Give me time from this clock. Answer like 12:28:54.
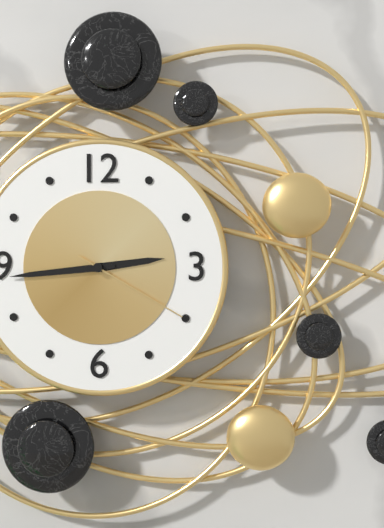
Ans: 2:44:20
